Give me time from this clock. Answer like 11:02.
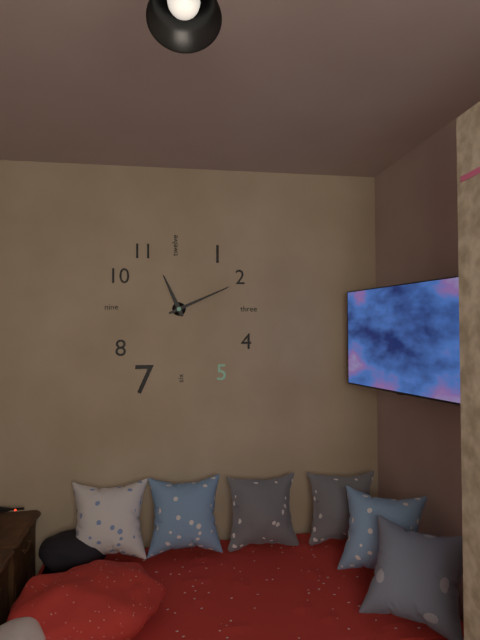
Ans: 11:11
